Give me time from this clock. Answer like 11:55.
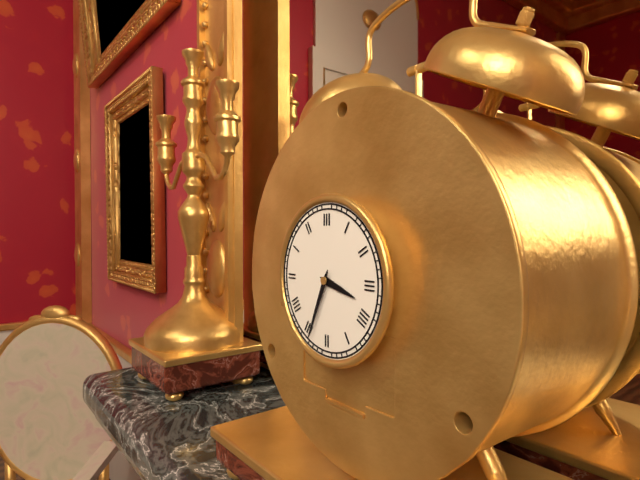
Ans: 3:34
